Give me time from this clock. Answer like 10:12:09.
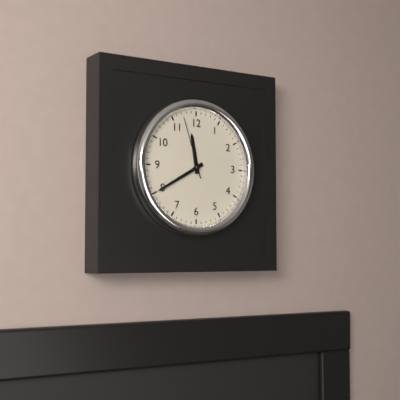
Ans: 11:40:57
